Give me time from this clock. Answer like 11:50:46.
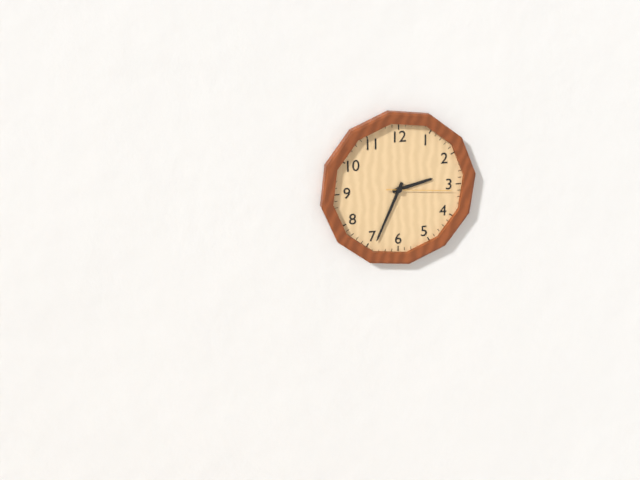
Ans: 2:34:16
